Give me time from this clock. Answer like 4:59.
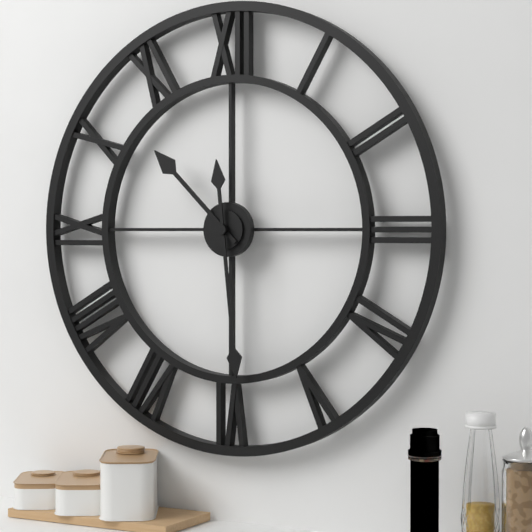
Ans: 10:29
